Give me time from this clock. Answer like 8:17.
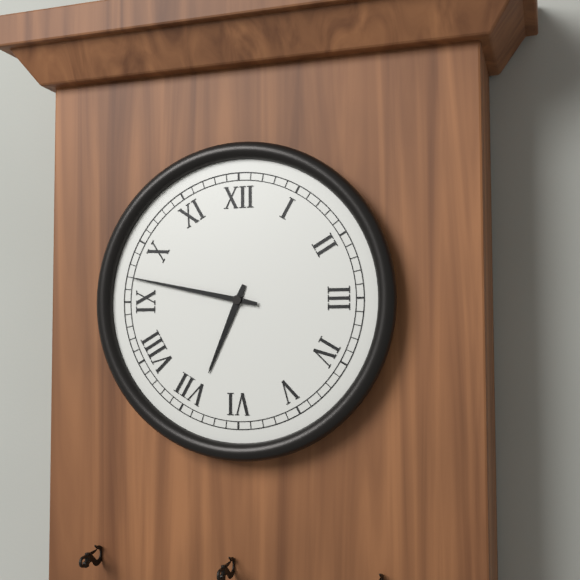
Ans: 6:47
